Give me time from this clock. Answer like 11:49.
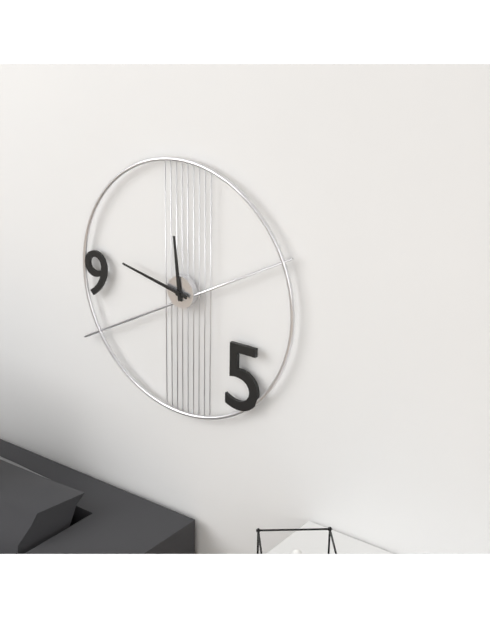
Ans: 11:47
